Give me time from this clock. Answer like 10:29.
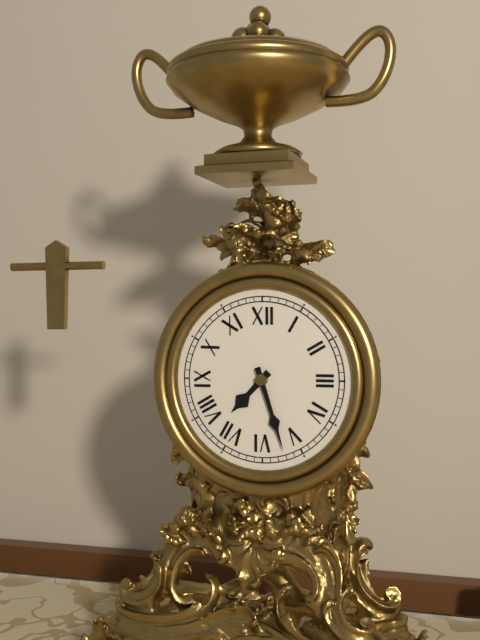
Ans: 7:27
